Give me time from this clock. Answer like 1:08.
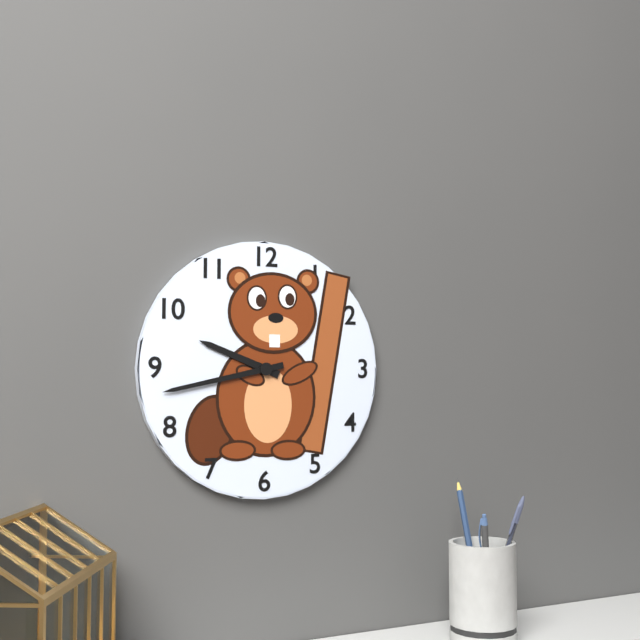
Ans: 9:43
